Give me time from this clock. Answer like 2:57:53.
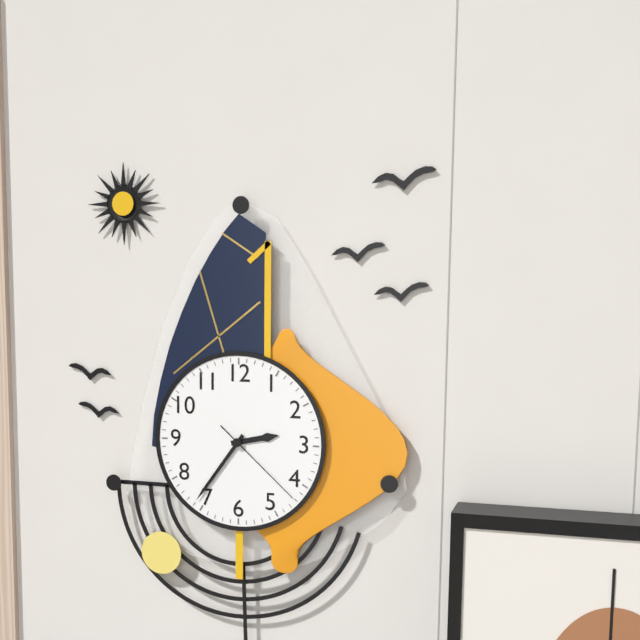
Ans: 2:36:22
